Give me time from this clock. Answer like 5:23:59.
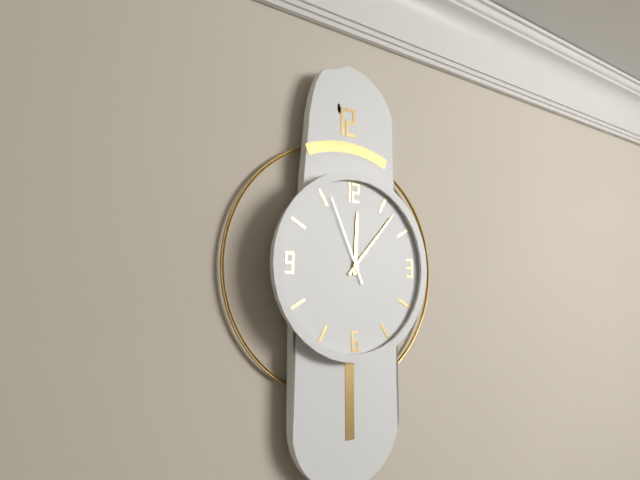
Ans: 12:07:56
